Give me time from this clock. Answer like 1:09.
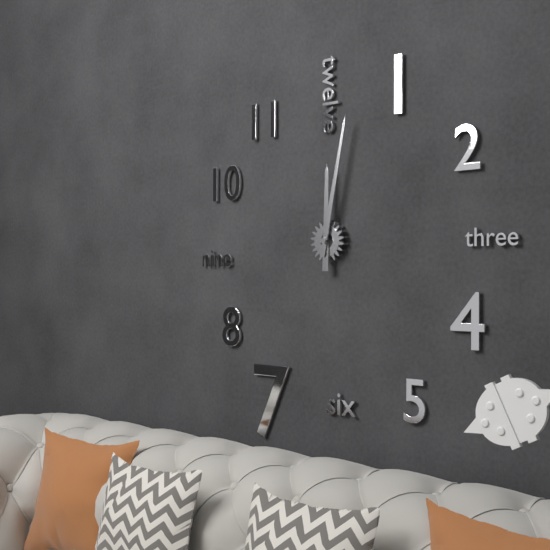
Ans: 12:02
